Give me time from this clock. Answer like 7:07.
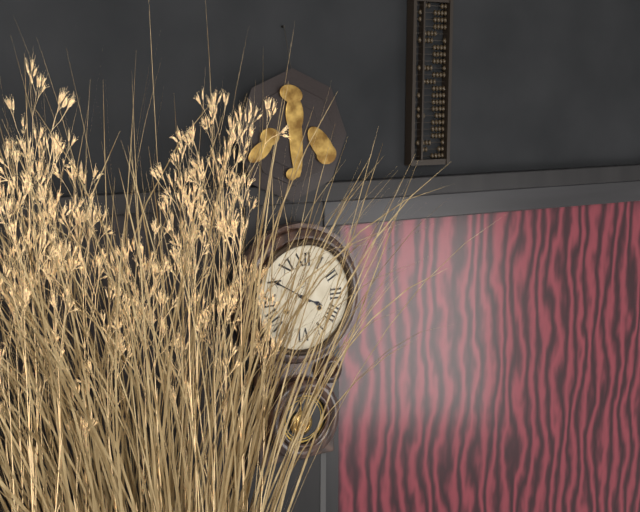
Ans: 3:50
